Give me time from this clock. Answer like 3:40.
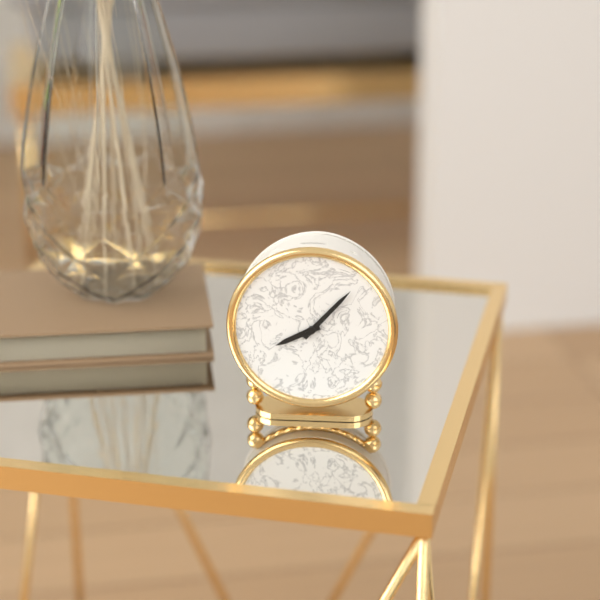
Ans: 8:07
